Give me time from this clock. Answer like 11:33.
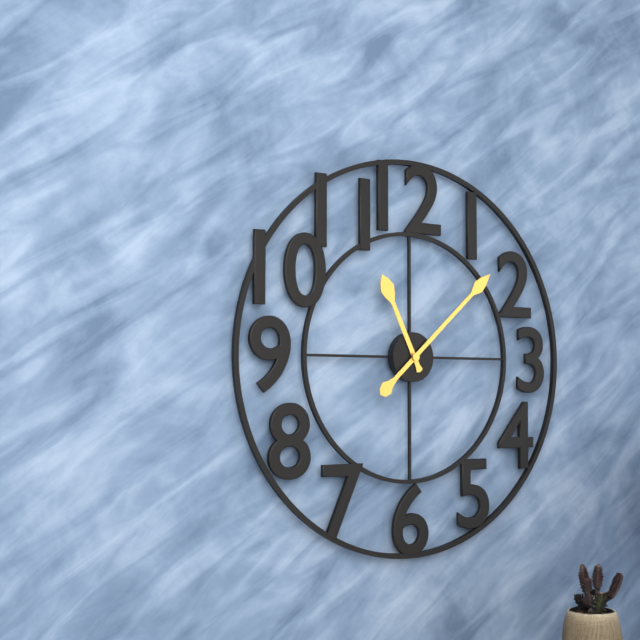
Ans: 11:08
